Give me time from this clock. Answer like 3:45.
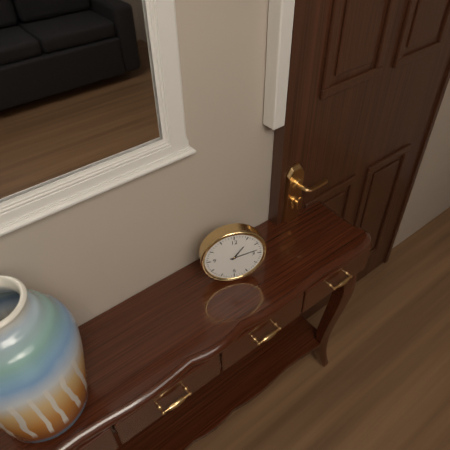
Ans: 1:13
